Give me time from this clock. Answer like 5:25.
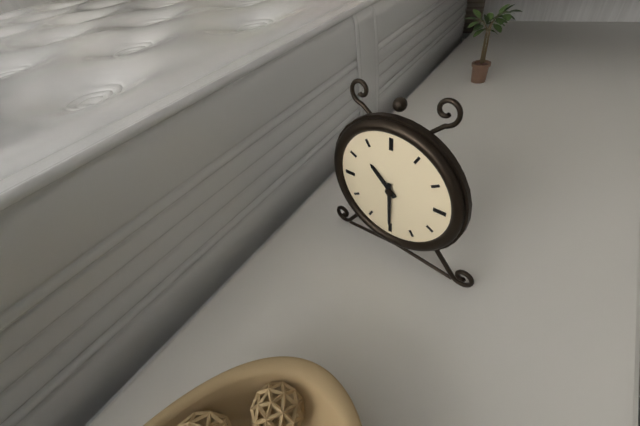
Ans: 10:30
